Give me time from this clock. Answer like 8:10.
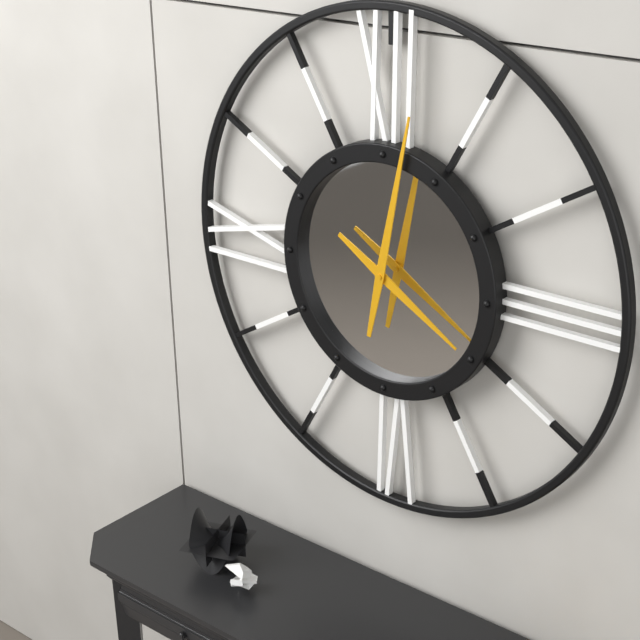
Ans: 4:02
